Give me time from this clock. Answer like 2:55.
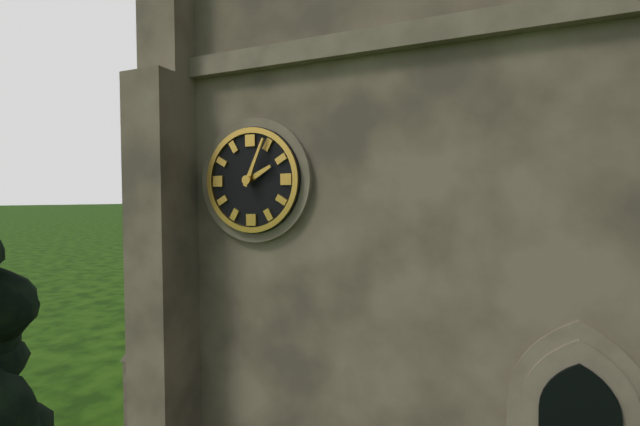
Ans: 2:04
